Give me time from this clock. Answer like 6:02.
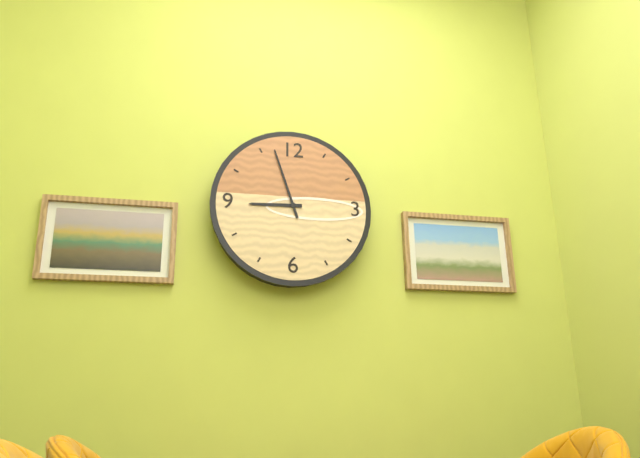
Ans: 8:57
